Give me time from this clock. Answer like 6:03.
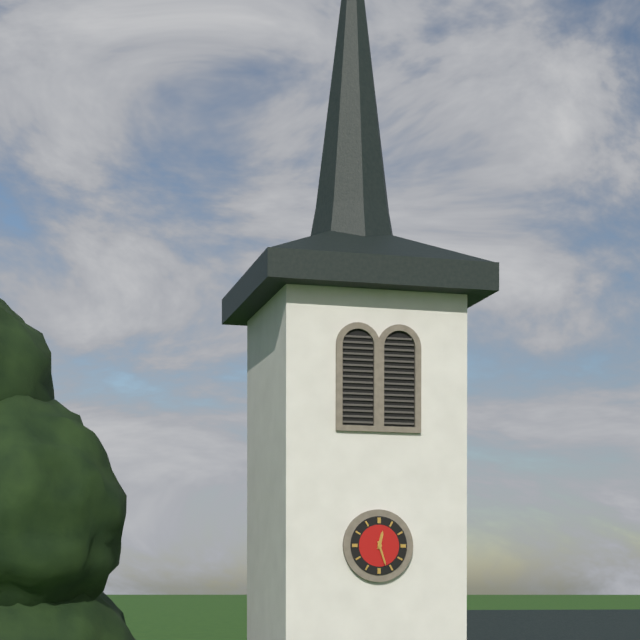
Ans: 12:27
